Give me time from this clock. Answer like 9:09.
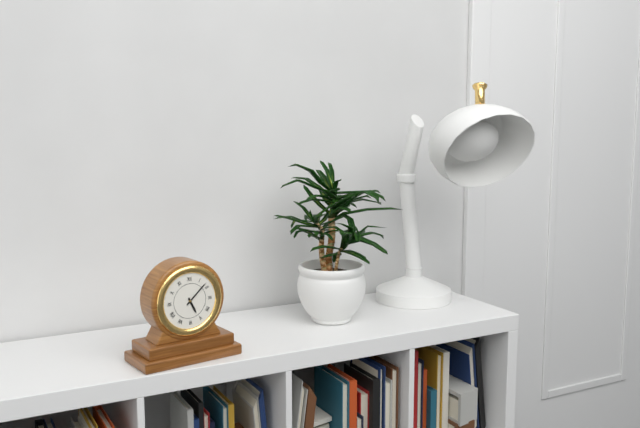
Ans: 5:08
